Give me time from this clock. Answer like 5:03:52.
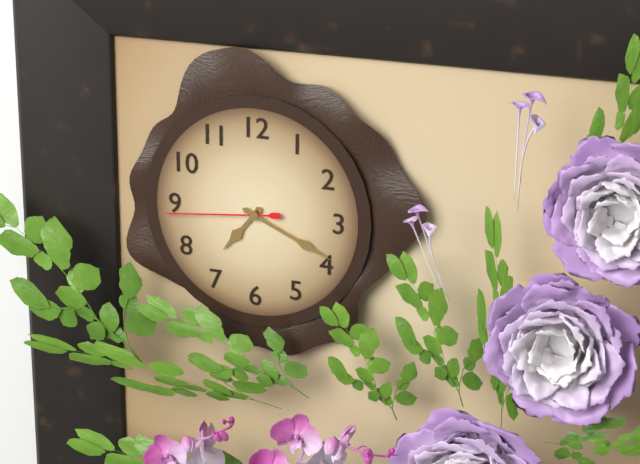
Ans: 7:19:44
